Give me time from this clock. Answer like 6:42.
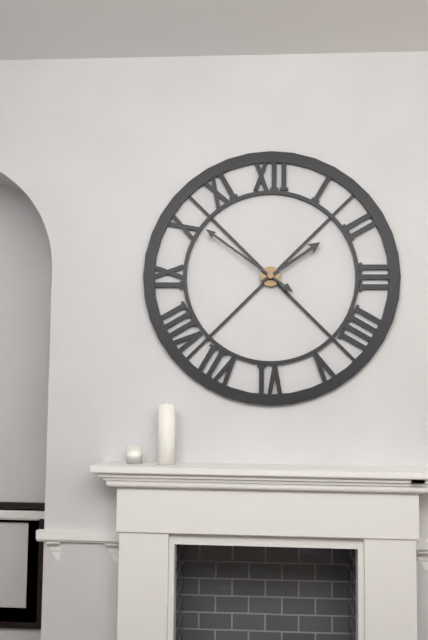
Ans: 1:51
